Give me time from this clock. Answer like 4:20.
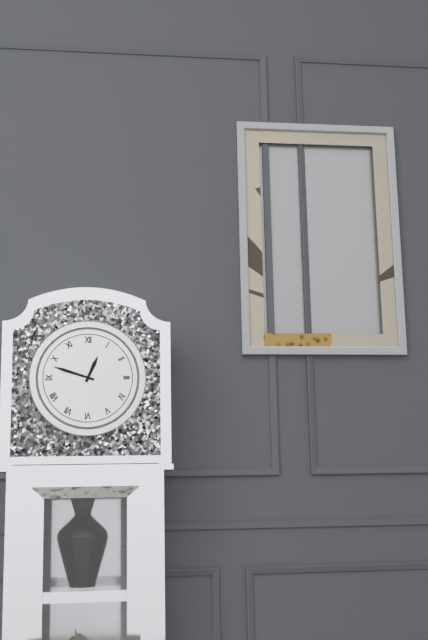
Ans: 12:48
